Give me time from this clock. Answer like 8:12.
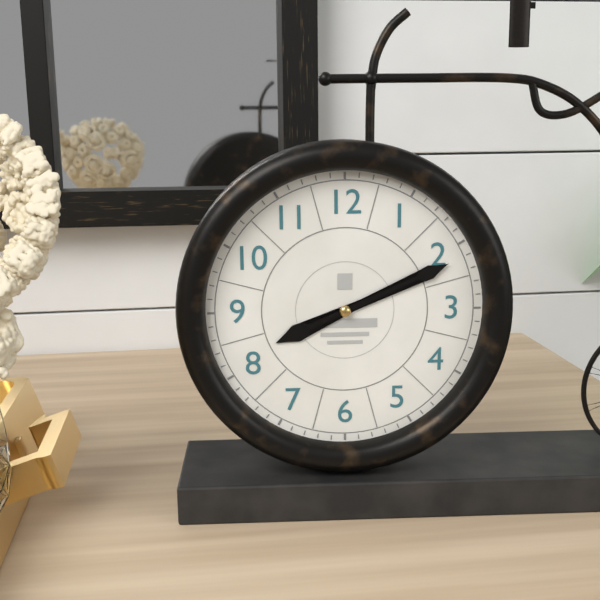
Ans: 8:11
